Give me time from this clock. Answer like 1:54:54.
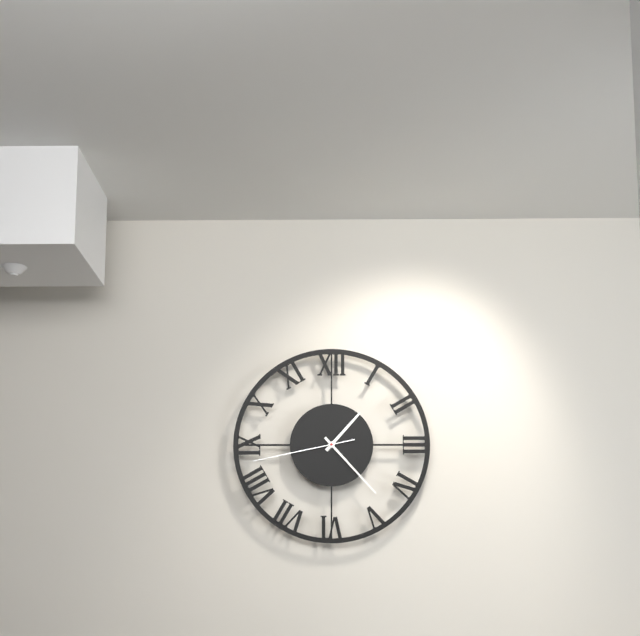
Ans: 1:23:43
